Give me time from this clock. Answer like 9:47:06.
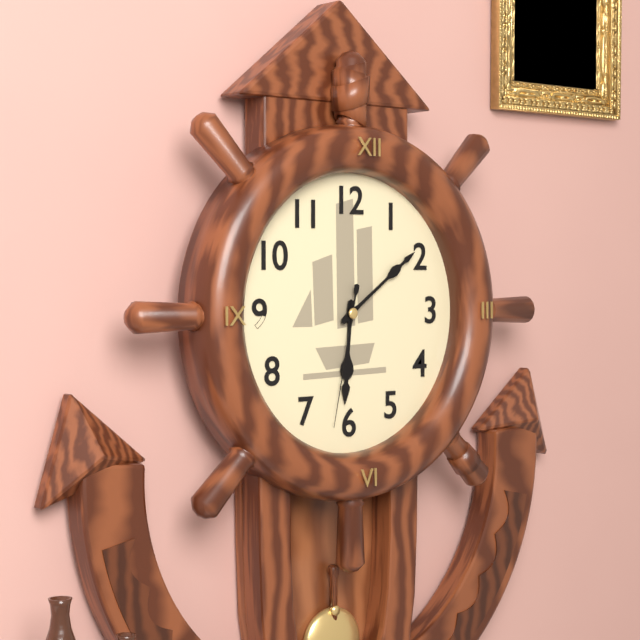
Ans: 6:09:32
